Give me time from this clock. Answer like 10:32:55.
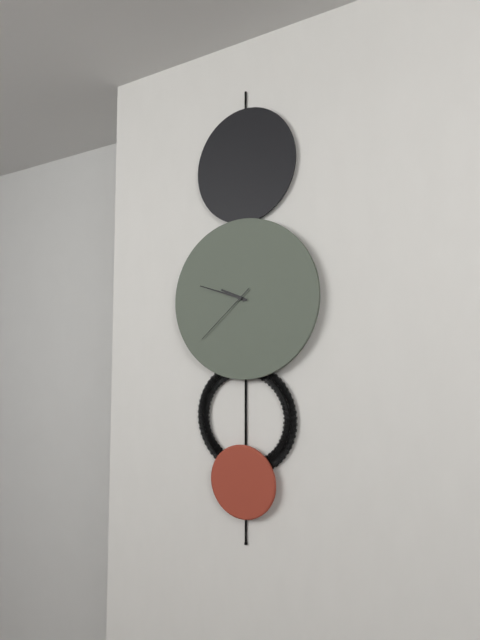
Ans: 9:48:38
